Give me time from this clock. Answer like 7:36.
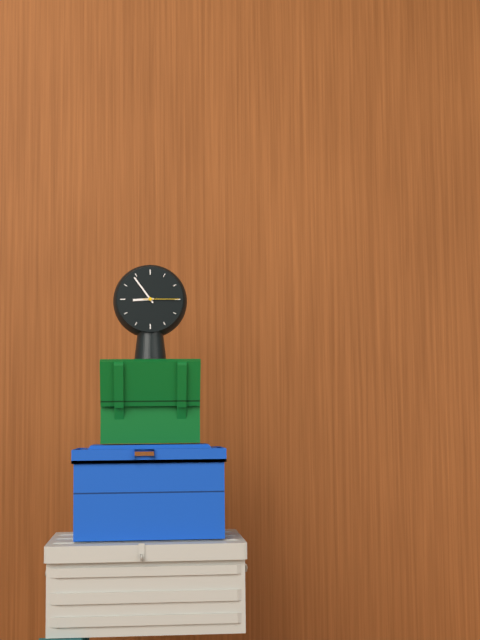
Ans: 8:54
